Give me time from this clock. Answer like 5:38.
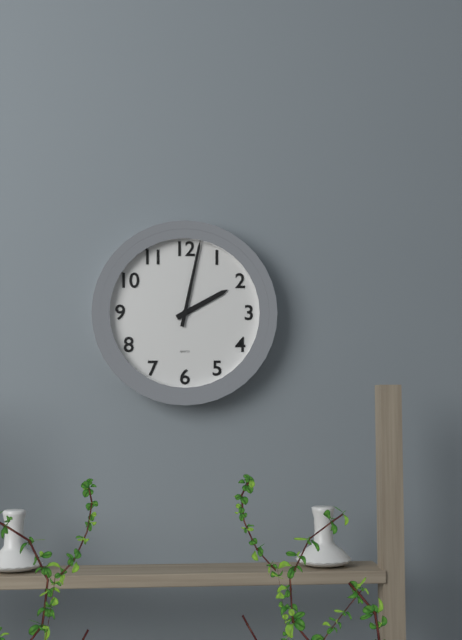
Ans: 2:02
